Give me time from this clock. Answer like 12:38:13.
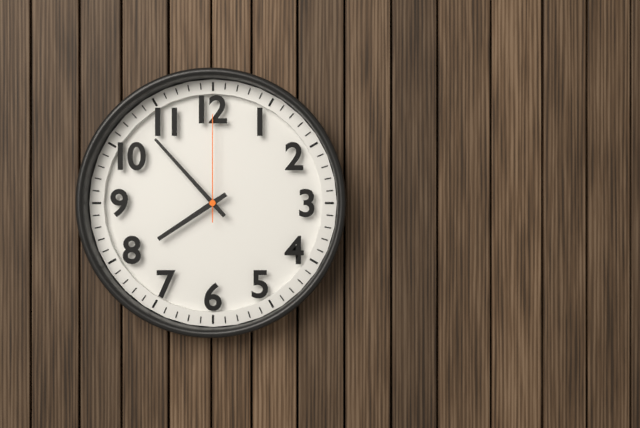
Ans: 7:53:00
